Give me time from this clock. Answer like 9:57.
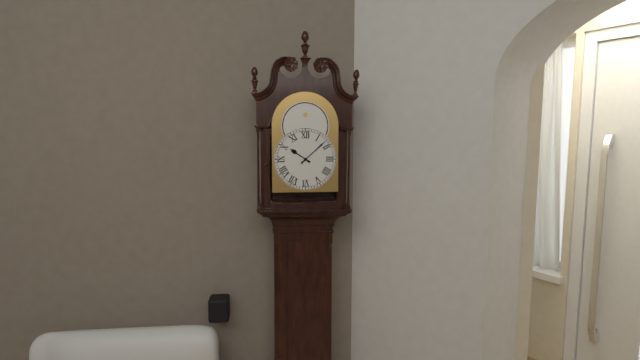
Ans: 10:08
